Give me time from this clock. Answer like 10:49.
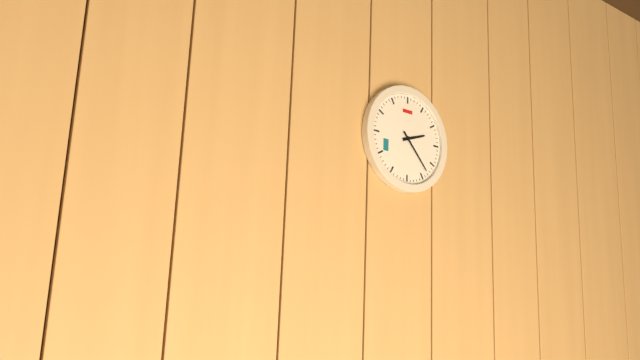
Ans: 2:23
